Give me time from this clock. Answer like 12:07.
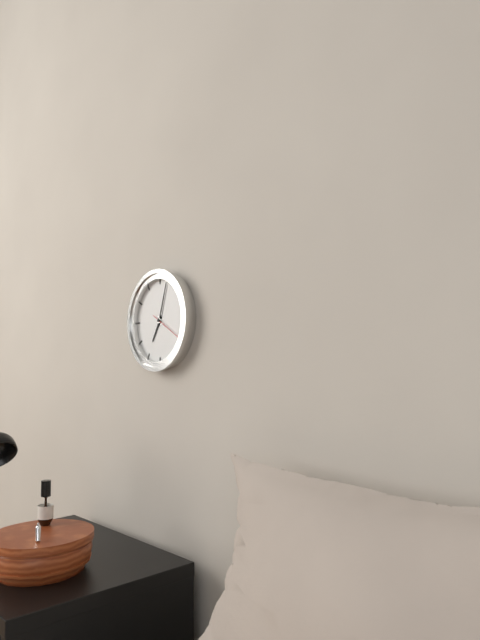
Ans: 7:03
